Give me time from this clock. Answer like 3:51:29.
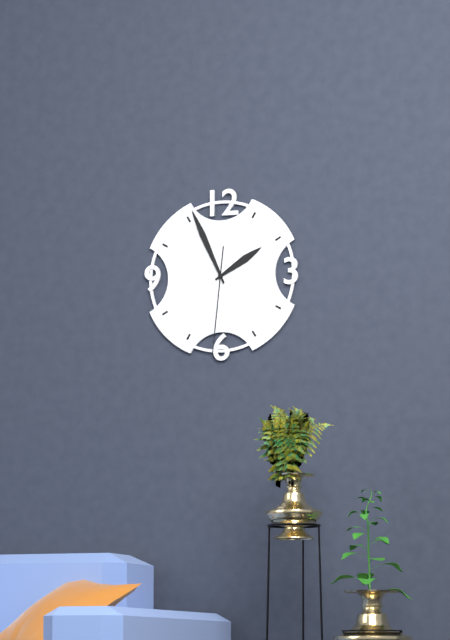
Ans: 1:56:31
